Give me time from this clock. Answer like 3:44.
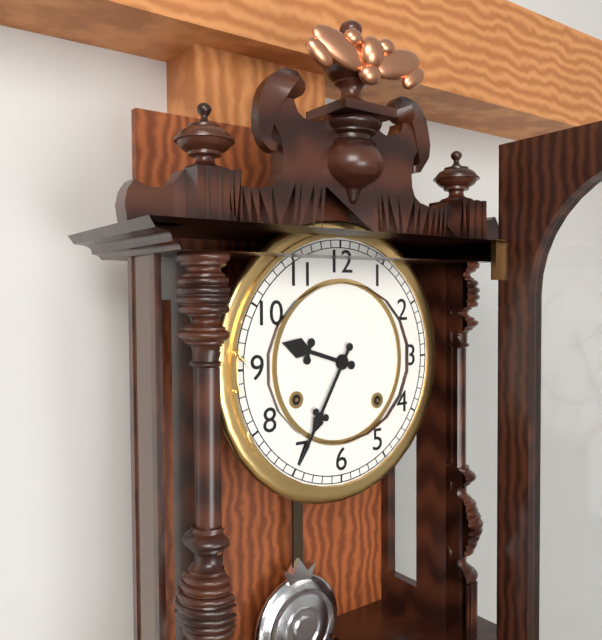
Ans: 9:35
